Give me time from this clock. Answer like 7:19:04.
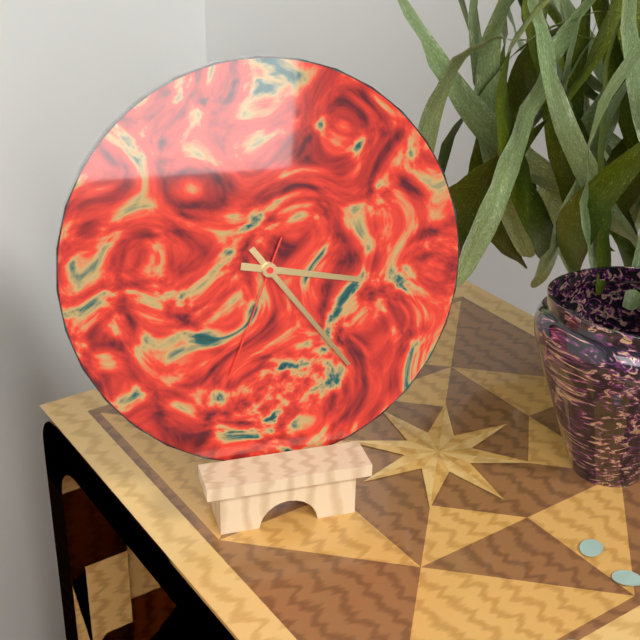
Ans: 3:24:34
